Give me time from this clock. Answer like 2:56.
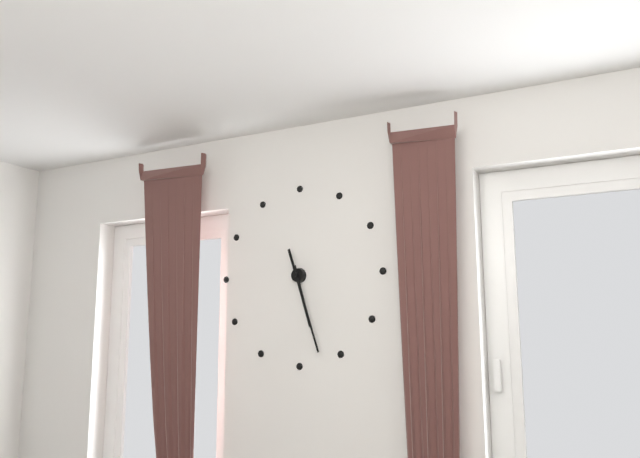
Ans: 5:27
